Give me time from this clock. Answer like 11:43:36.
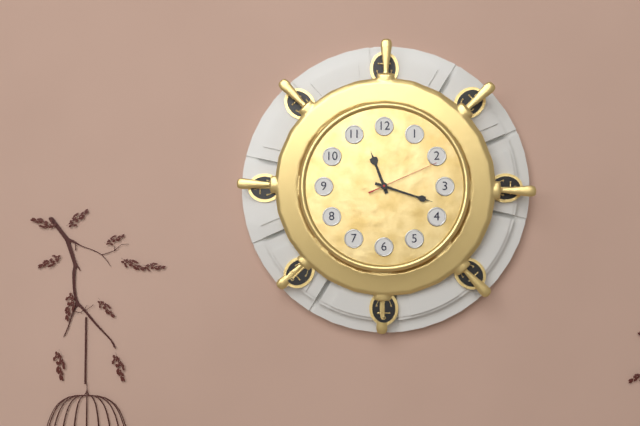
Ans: 11:18:11
